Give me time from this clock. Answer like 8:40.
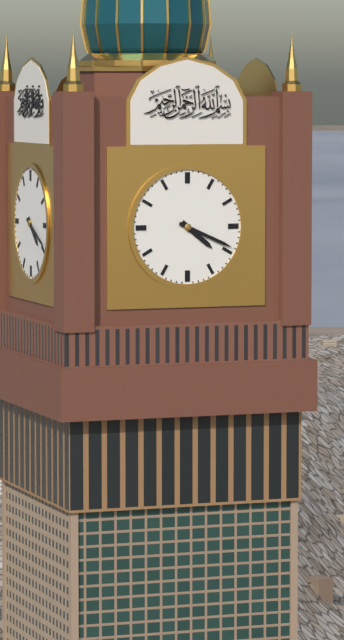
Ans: 4:19
